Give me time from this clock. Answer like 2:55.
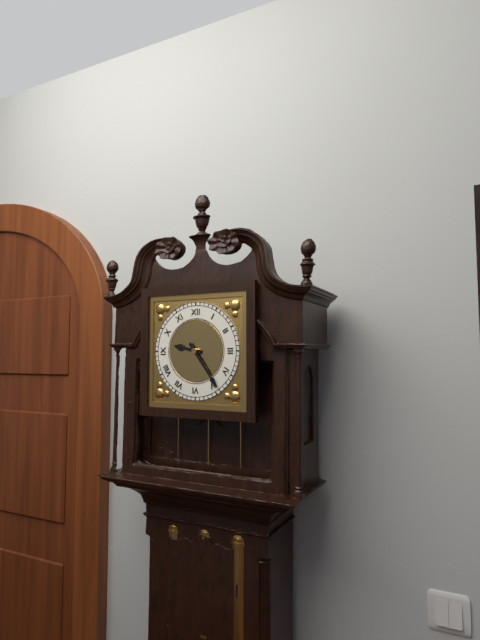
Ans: 9:24
